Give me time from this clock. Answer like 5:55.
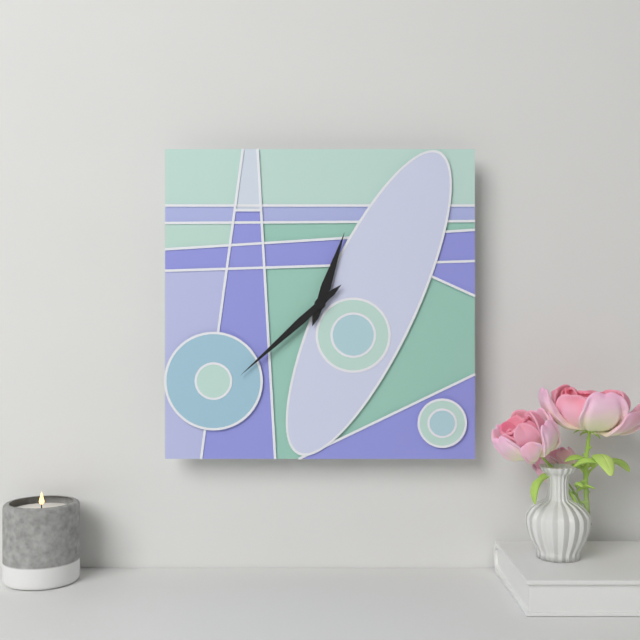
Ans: 12:38
